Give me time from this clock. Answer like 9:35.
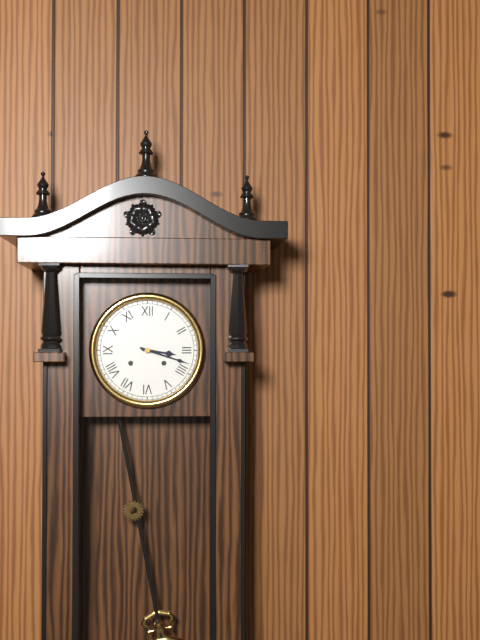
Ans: 3:18
